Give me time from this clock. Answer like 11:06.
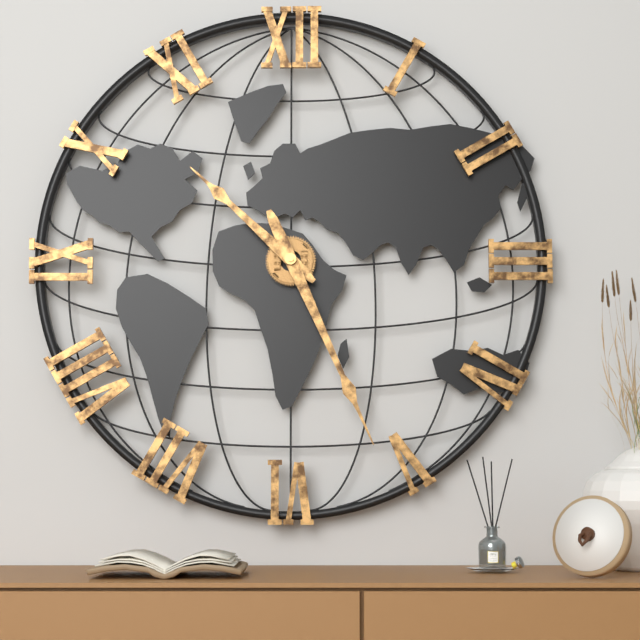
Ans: 10:26
